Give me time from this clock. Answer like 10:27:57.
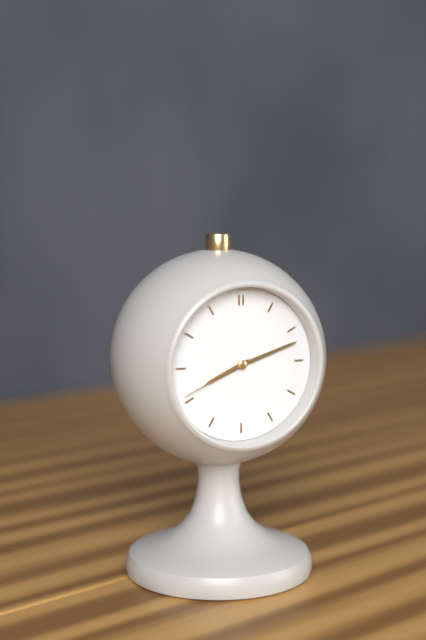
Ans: 8:12:41
